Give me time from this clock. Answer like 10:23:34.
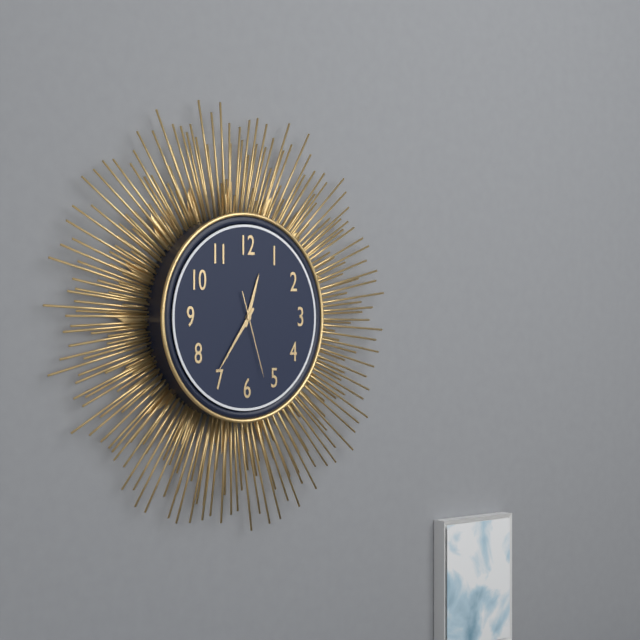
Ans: 12:36:27
